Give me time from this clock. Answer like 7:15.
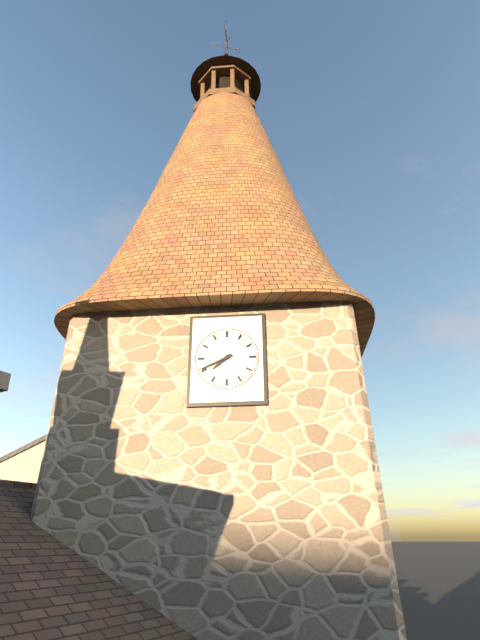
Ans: 7:41
